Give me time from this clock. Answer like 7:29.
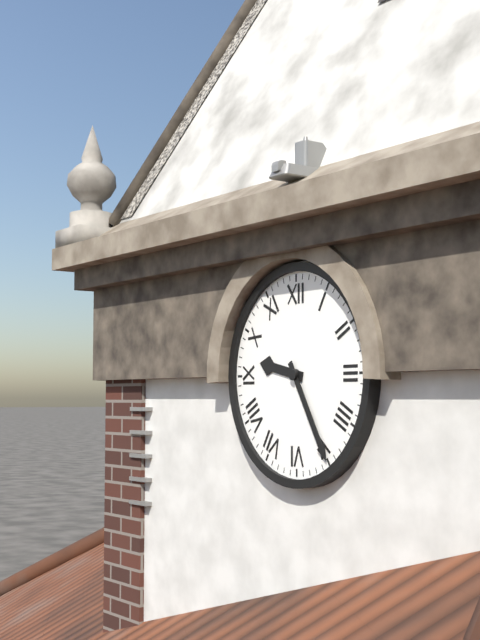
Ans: 9:25
